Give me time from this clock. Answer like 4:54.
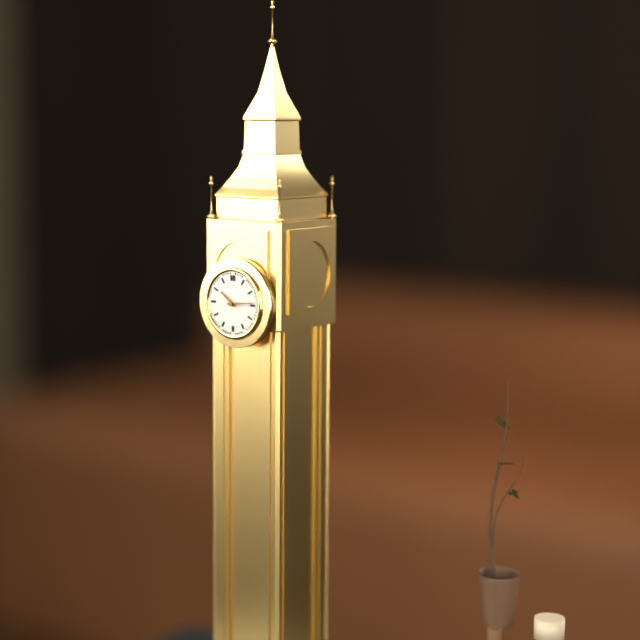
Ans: 10:14
